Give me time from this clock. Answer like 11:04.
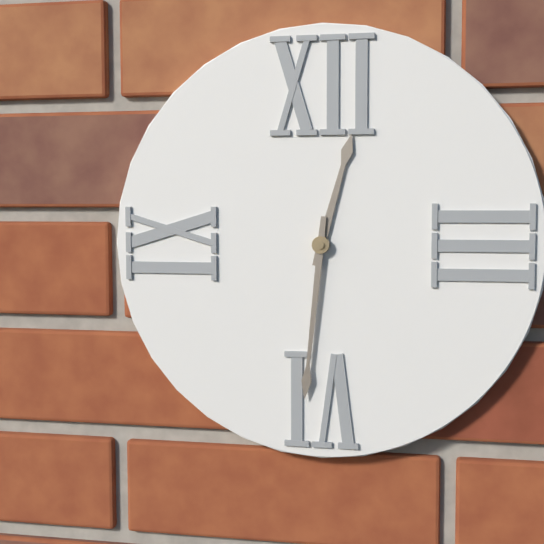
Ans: 12:31
